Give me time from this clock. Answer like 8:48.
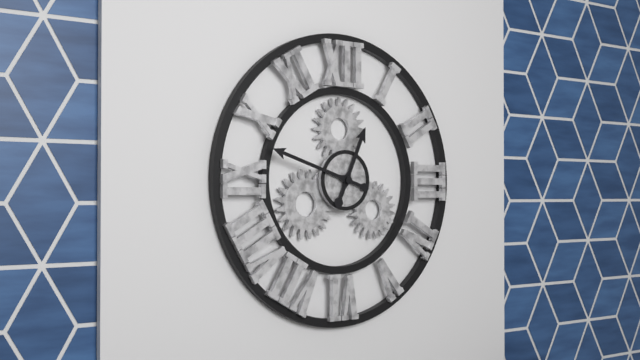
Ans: 12:48
